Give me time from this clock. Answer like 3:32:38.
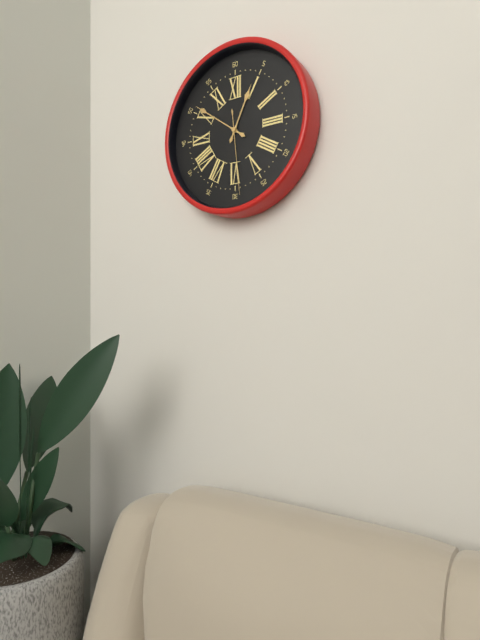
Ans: 12:51:29
